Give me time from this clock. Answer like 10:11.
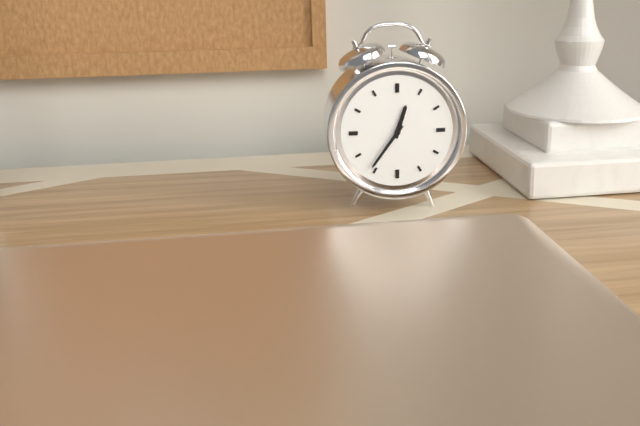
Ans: 12:36
